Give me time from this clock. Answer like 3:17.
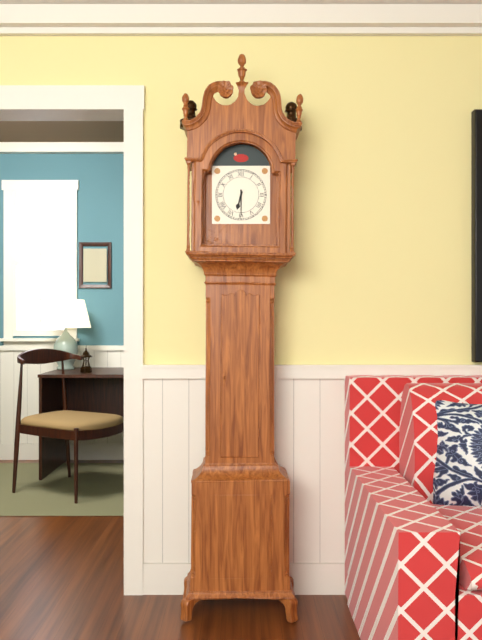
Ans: 6:30
